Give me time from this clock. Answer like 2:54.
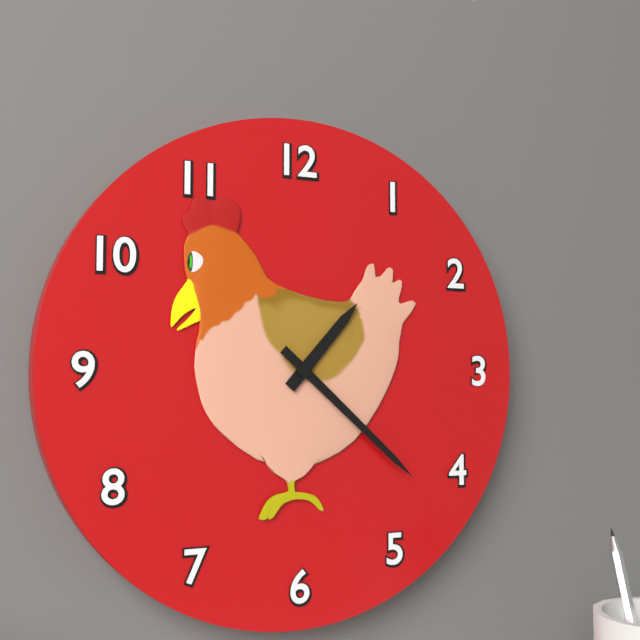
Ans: 1:22
